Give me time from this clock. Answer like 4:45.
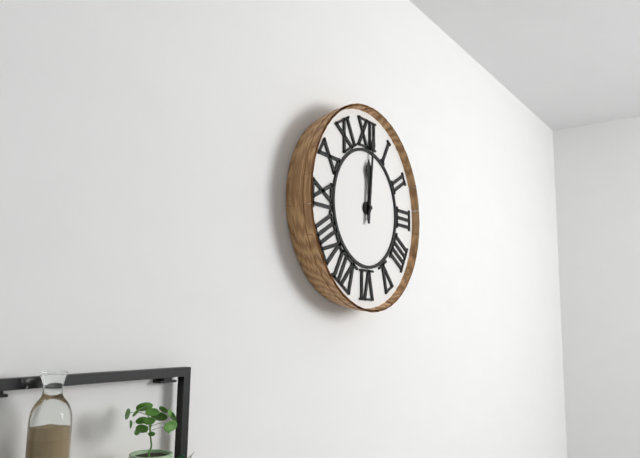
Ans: 12:01
